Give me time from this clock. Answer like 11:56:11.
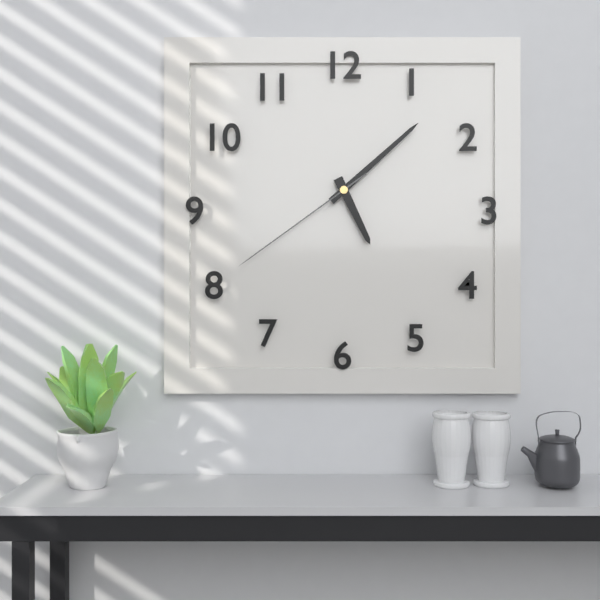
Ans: 5:08:39
